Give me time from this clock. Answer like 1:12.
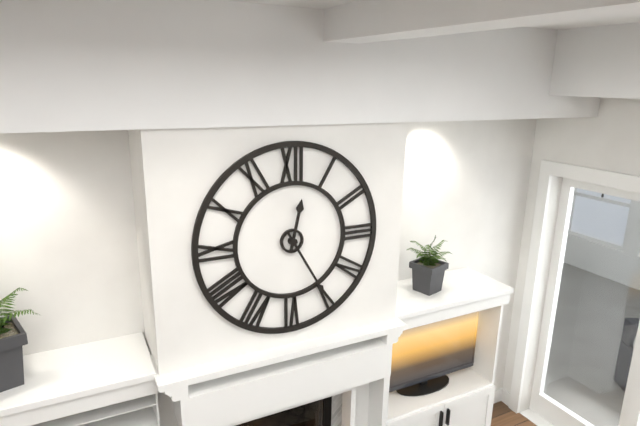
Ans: 12:25
